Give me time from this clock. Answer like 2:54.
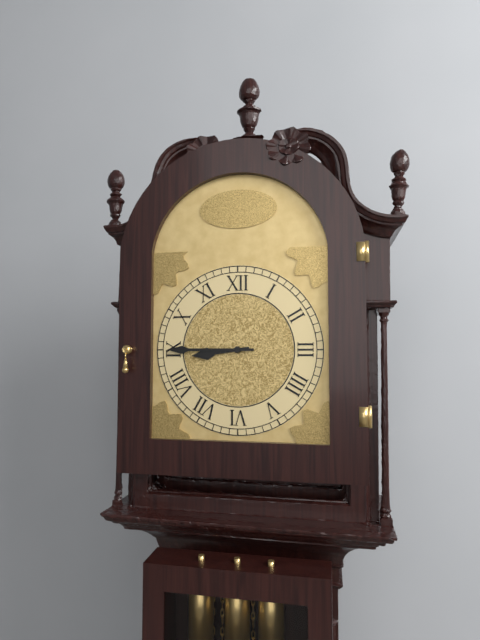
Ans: 8:45
